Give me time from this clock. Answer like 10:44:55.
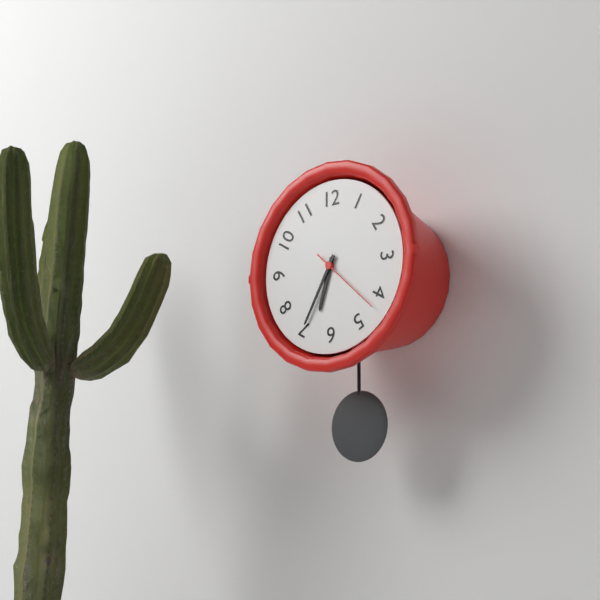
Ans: 6:35:22
